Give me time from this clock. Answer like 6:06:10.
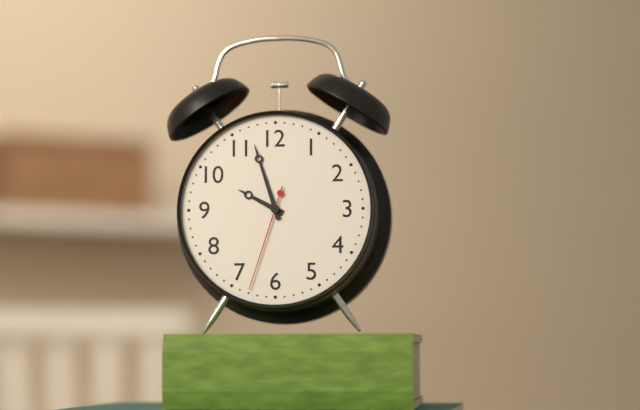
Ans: 9:57:33
